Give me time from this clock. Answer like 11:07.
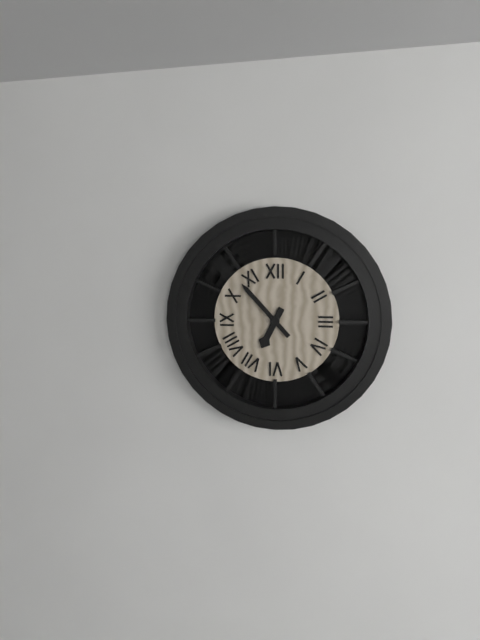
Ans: 6:53
